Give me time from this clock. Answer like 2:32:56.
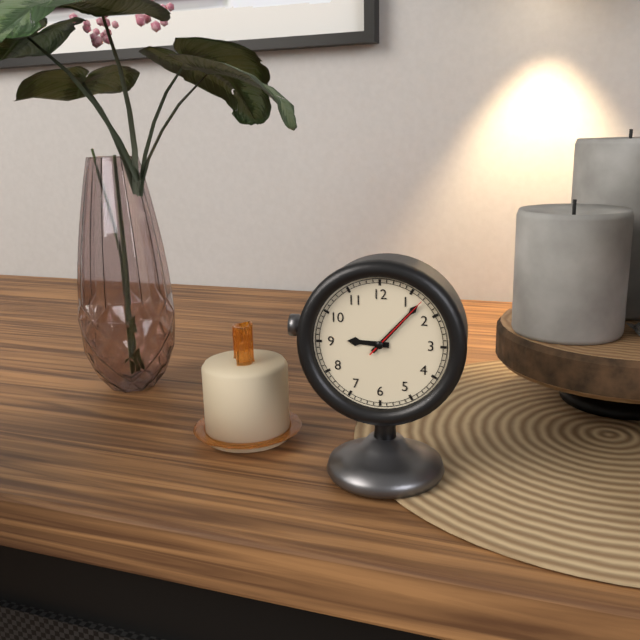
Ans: 9:07:07
